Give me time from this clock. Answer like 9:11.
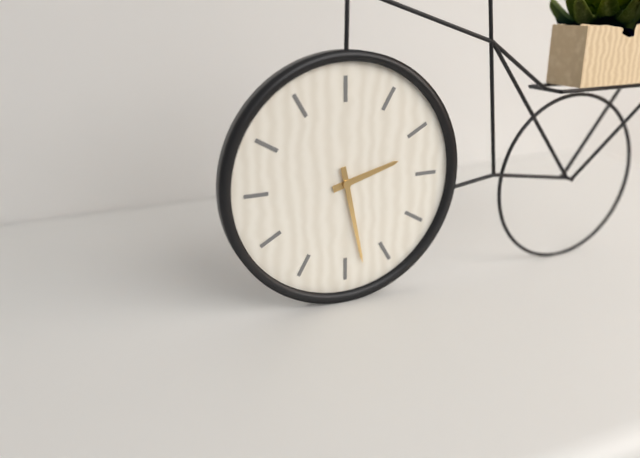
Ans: 2:28
